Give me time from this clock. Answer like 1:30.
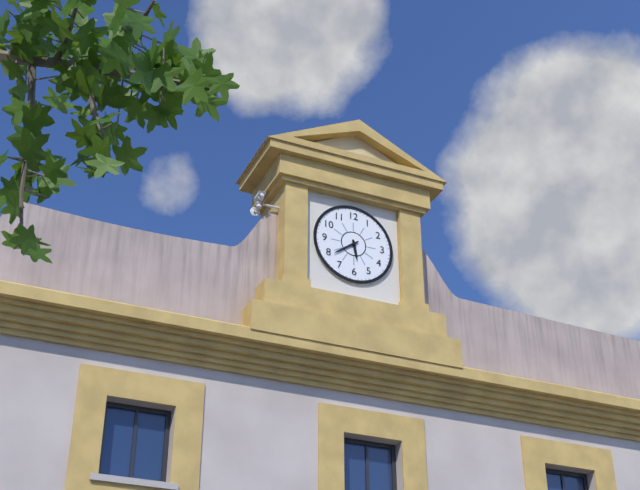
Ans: 5:39
